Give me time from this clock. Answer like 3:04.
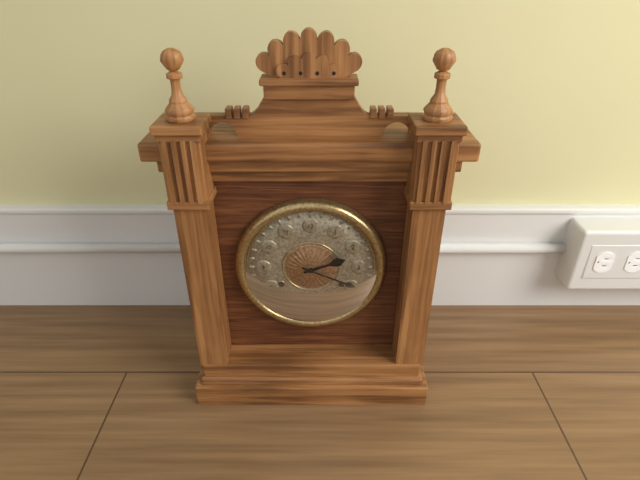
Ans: 2:19
